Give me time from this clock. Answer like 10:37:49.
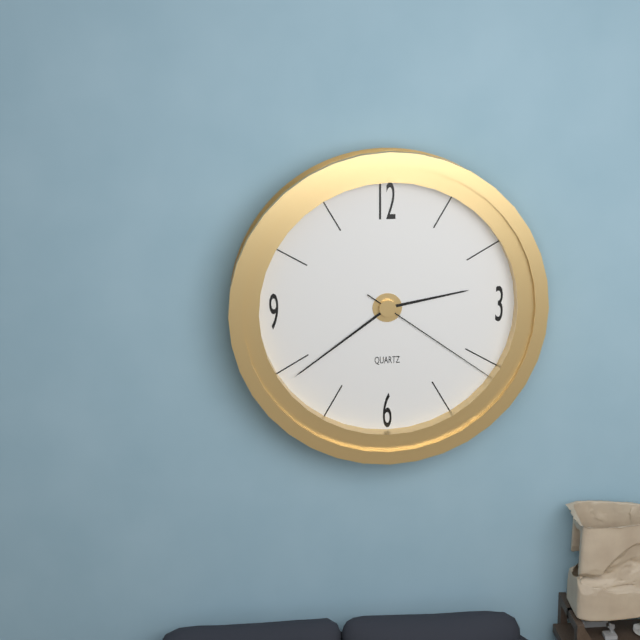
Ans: 2:39:21
